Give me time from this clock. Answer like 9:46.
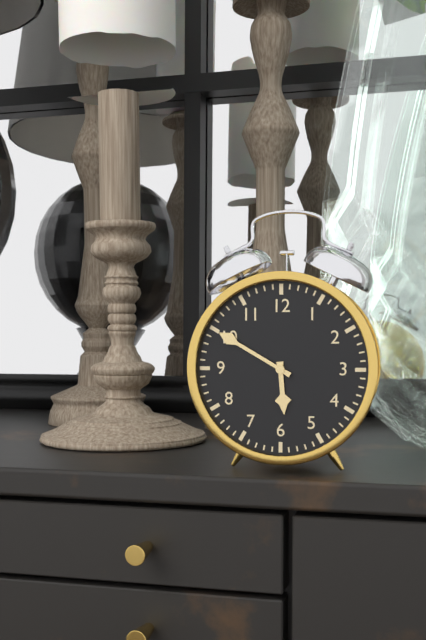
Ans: 5:50
